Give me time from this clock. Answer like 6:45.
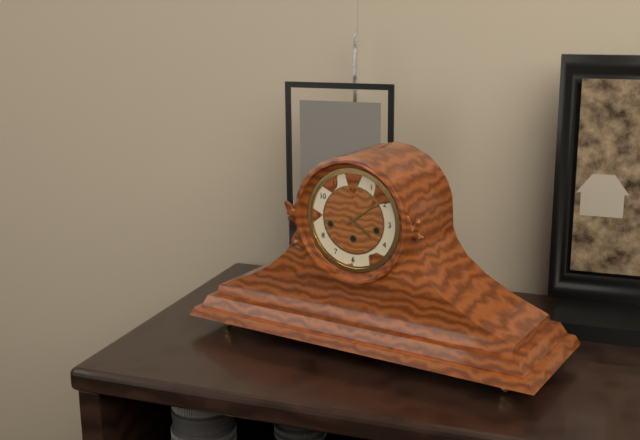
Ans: 4:09
